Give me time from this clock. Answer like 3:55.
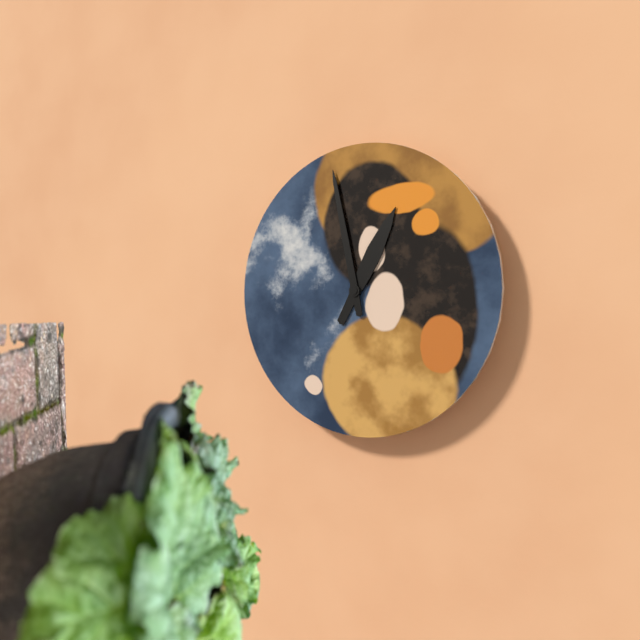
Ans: 12:58
